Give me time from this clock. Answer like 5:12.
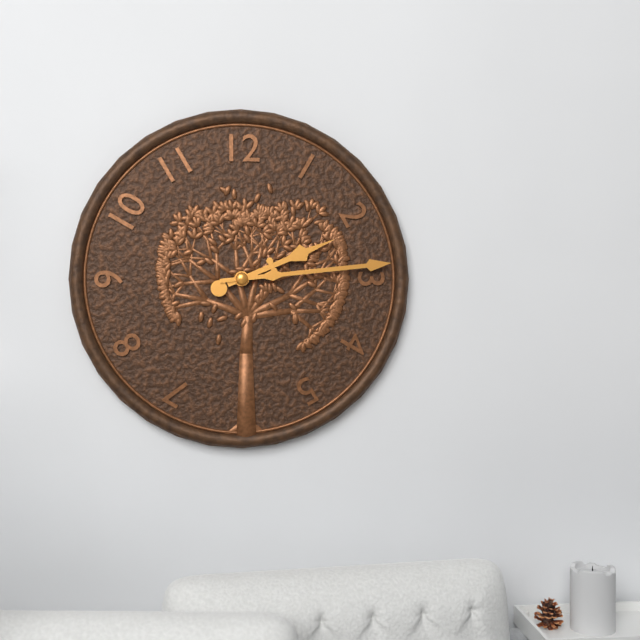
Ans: 2:14
